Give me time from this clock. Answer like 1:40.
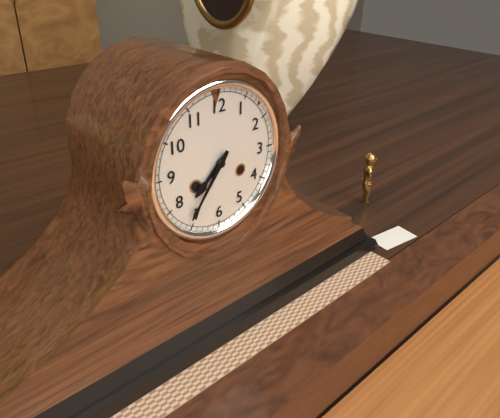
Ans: 7:36
